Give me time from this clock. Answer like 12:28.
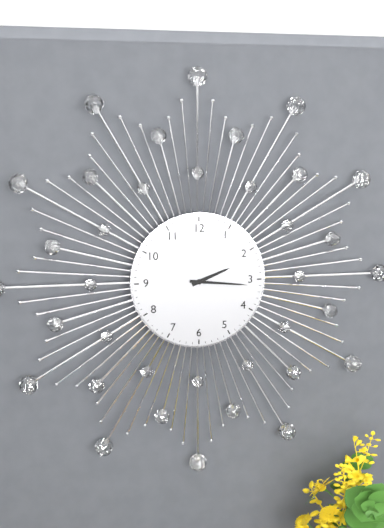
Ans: 2:16
